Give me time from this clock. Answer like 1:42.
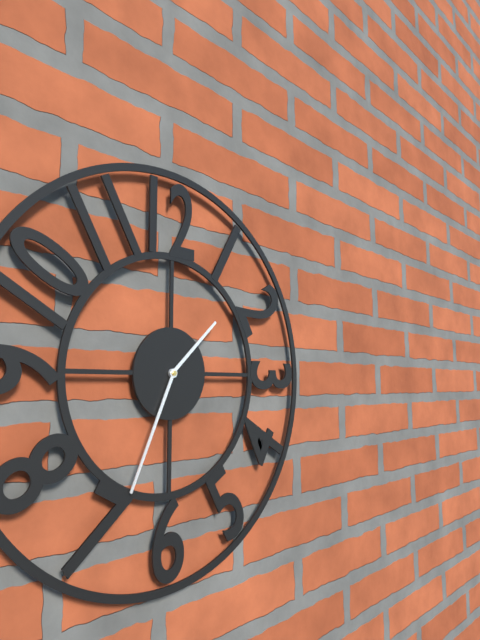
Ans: 1:34
